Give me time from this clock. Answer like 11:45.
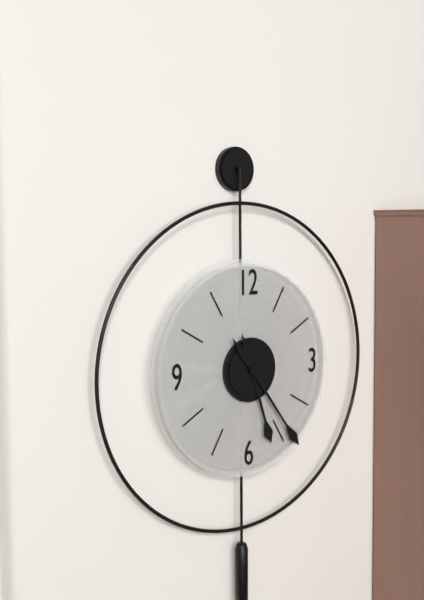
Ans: 5:24
